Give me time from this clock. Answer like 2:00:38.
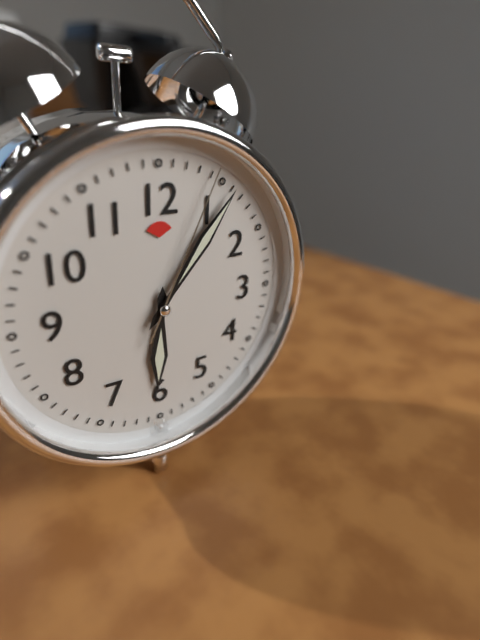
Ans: 6:06:04
